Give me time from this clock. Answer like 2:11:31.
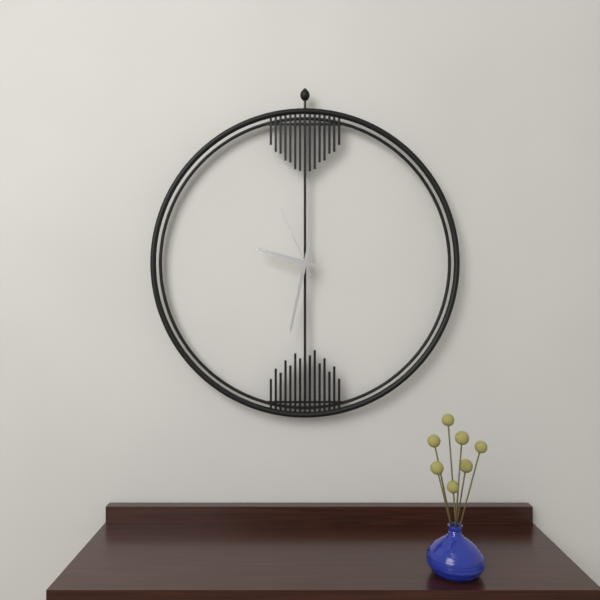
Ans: 9:32:56
